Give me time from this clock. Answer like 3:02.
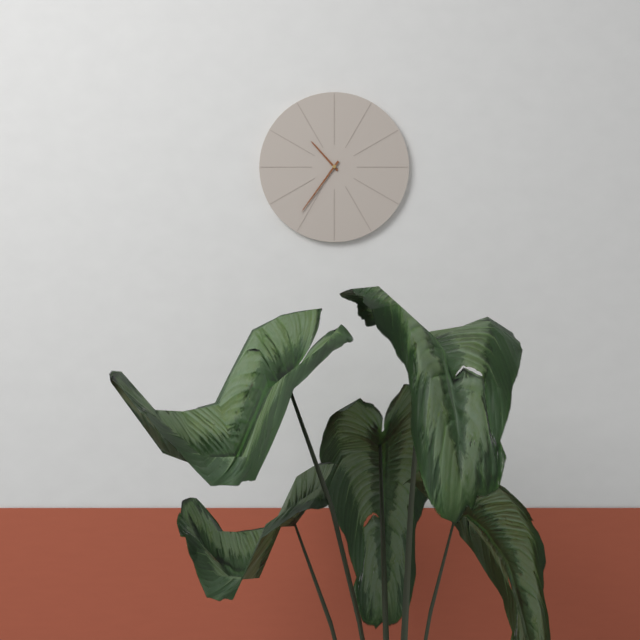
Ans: 10:36
